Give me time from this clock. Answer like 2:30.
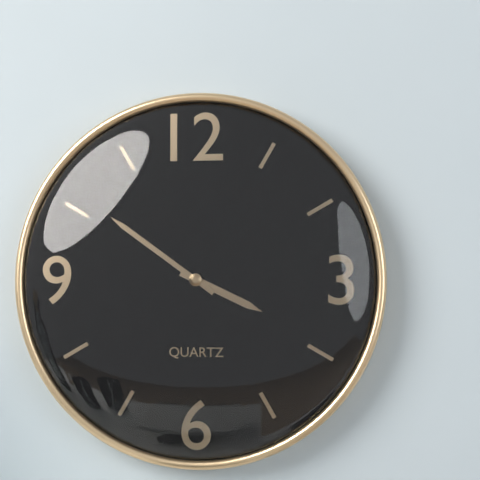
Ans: 3:51
